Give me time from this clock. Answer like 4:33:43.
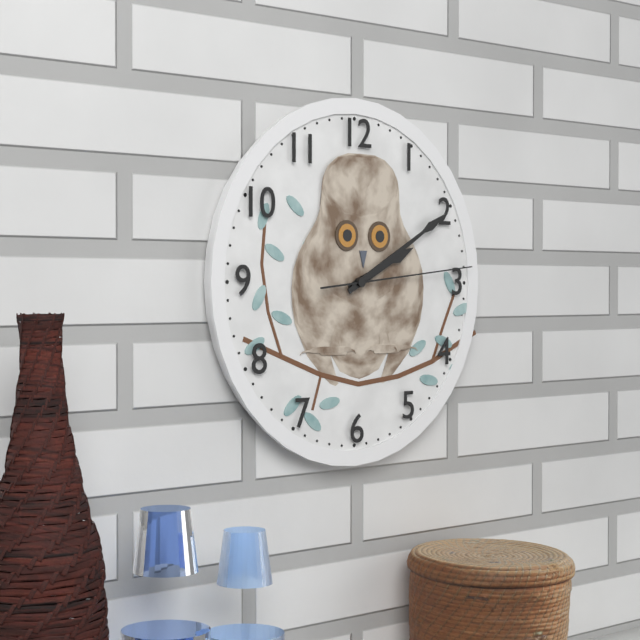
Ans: 2:10:14
